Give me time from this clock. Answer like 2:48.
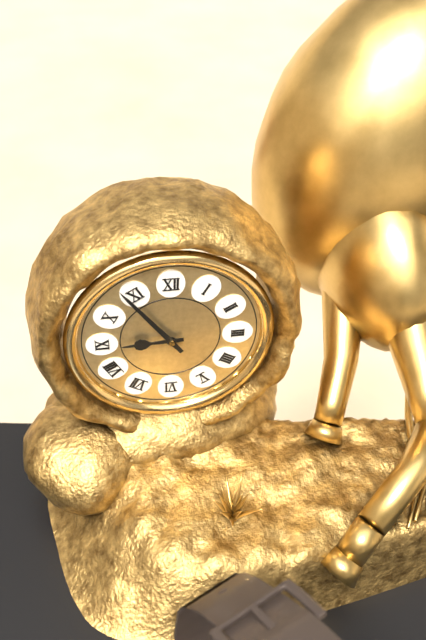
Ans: 8:54
